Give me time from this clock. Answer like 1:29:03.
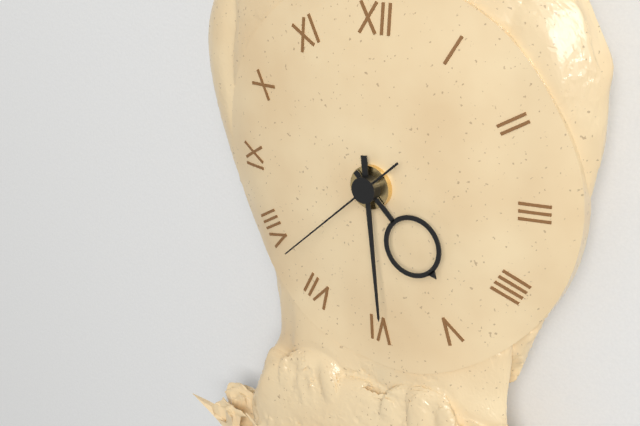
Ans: 4:29:38
